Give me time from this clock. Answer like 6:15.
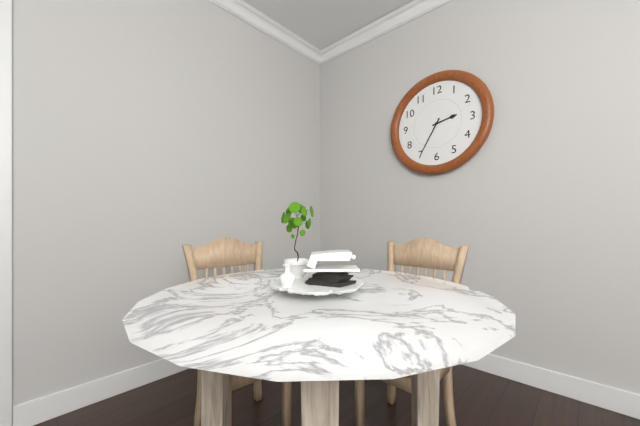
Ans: 2:35
